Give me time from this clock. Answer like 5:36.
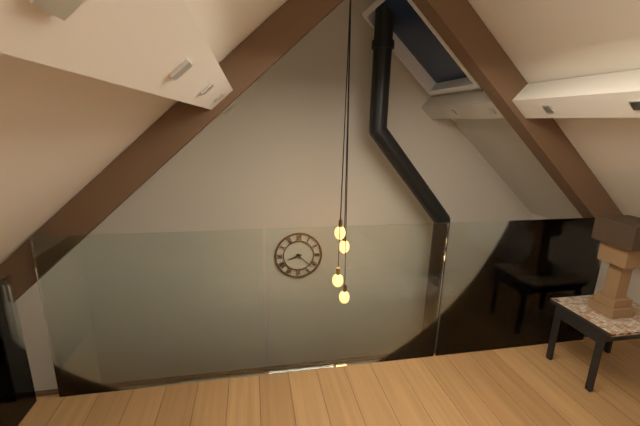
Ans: 8:22
